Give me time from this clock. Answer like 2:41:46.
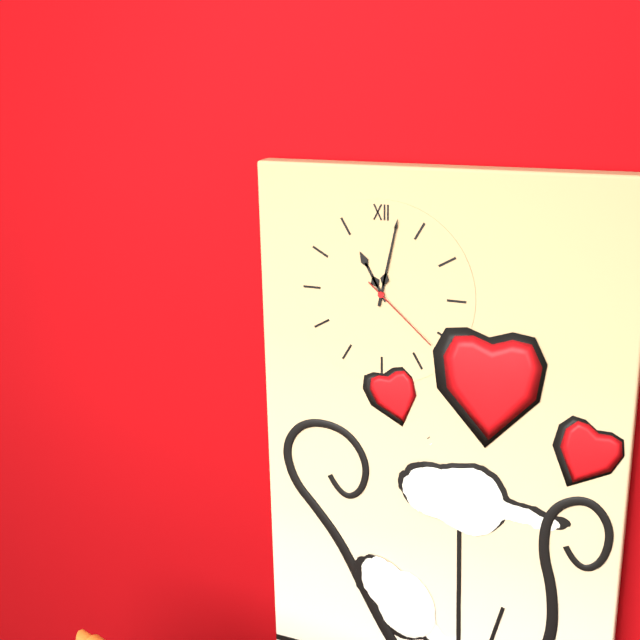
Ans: 11:02:22
